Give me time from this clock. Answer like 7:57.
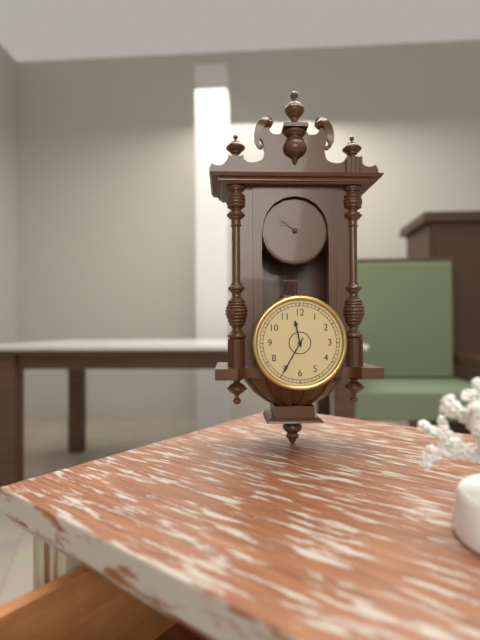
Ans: 11:35
